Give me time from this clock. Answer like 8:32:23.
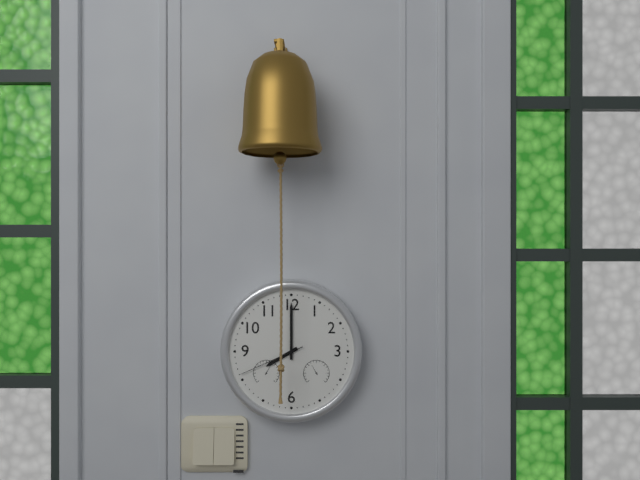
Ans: 8:00:41
